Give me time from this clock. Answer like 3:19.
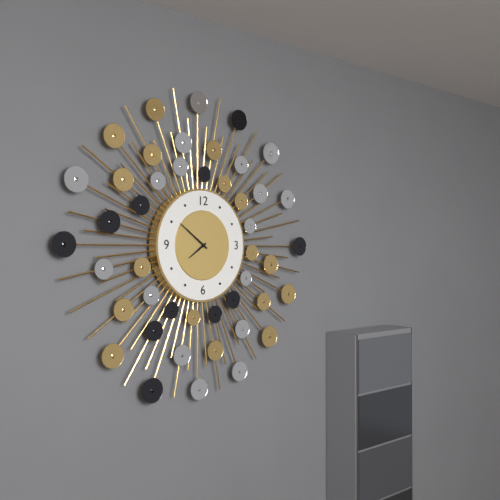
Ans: 7:51
